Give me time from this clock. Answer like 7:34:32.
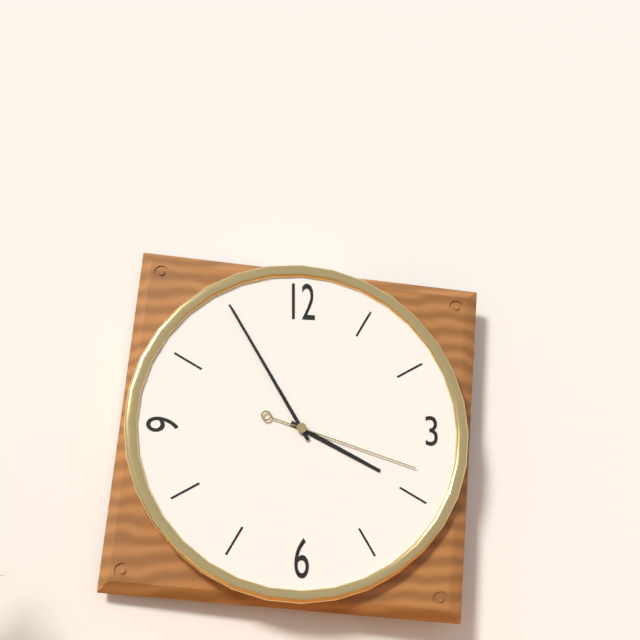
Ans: 3:55:18
